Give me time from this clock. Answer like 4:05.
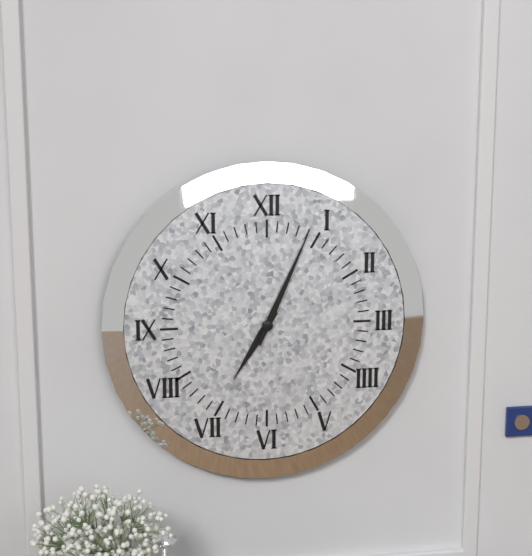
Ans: 7:04
